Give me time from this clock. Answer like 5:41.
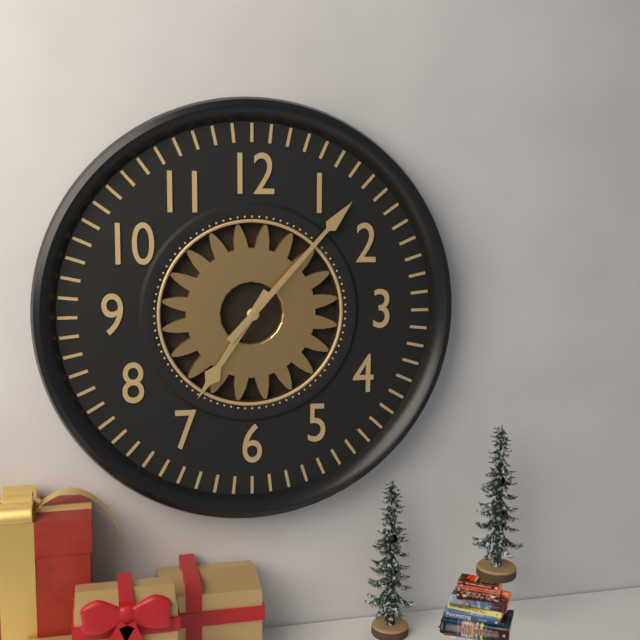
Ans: 7:07
